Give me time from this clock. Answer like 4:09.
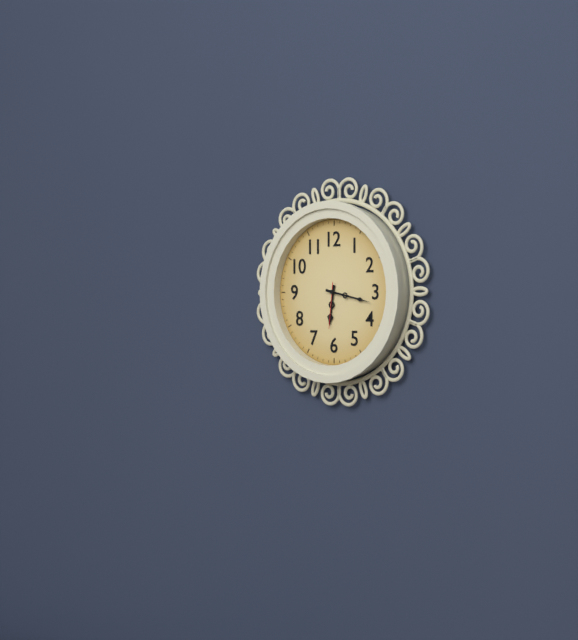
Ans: 6:17
